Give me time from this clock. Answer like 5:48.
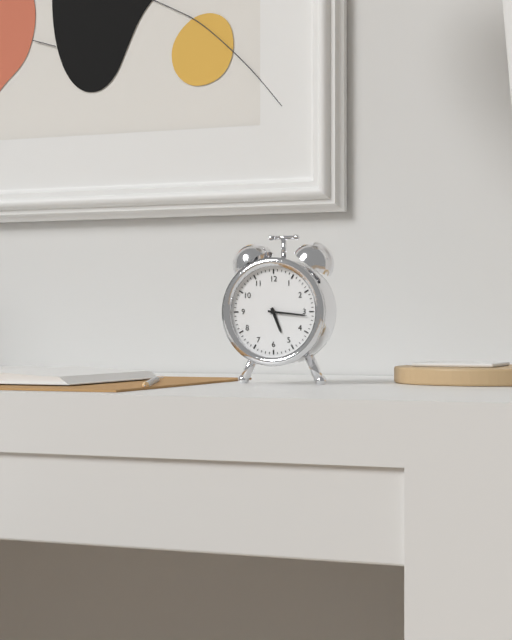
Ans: 5:16
